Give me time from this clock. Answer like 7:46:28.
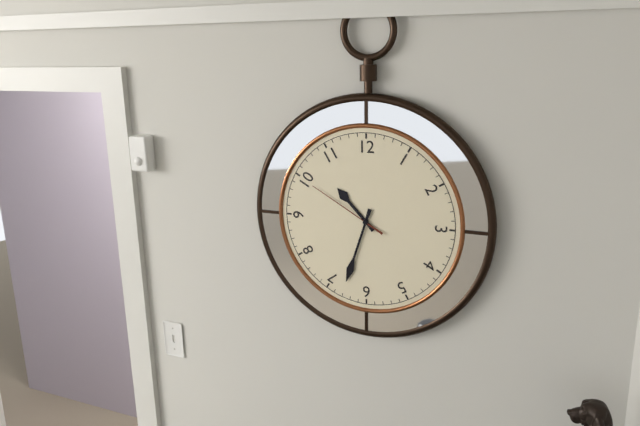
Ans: 10:33:50
